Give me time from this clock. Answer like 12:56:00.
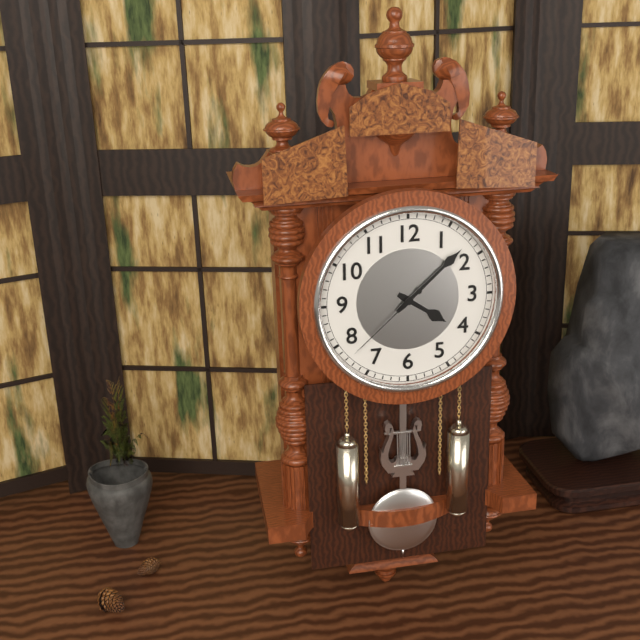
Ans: 4:08:38
